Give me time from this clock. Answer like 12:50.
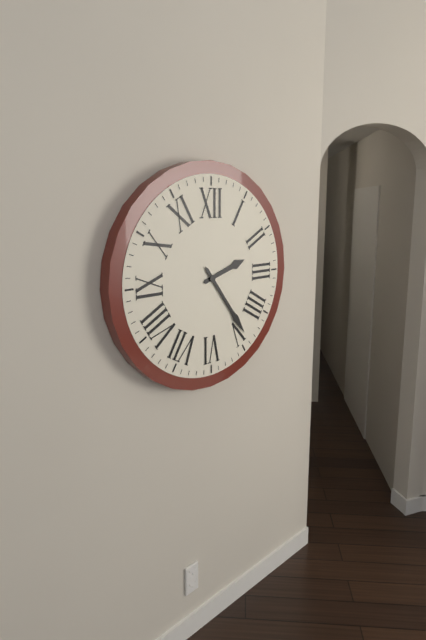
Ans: 2:24
